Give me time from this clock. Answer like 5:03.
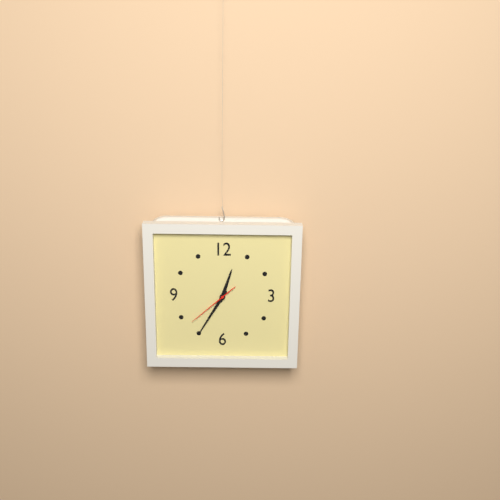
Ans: 12:35
